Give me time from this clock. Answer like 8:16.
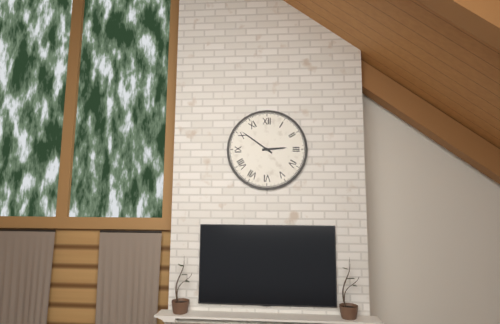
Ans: 2:51
